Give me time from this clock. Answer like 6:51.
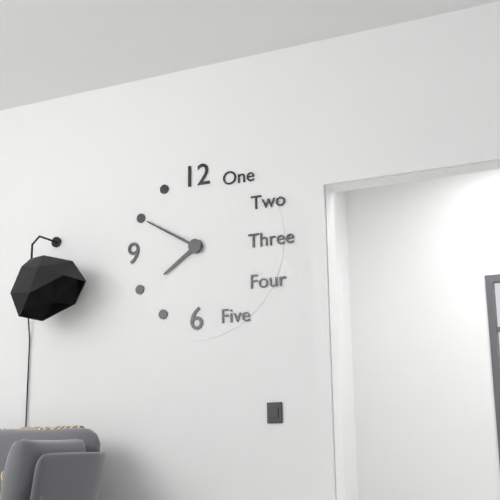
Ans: 7:50
